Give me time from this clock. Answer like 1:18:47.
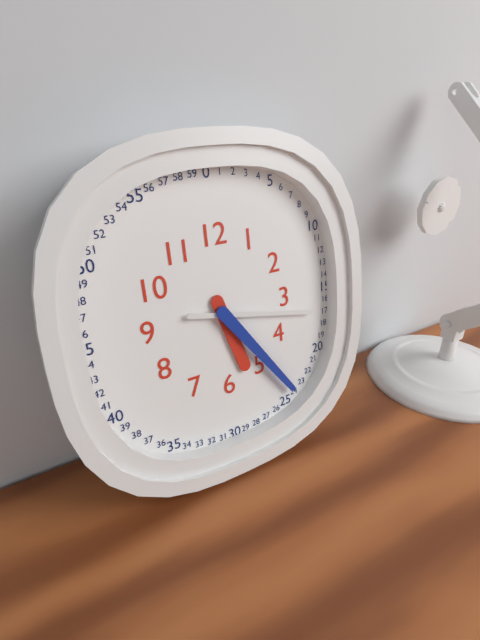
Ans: 5:24:17
